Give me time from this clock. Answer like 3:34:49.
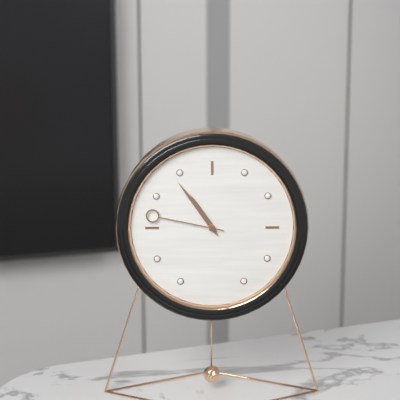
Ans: 10:54:47
